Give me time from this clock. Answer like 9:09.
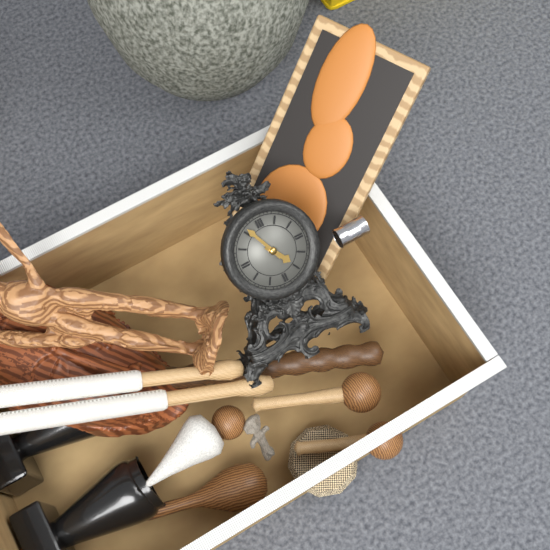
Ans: 4:56
